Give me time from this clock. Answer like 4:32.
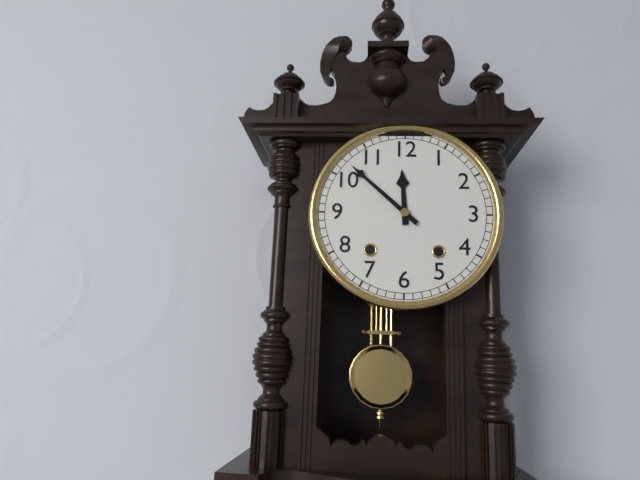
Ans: 11:52
